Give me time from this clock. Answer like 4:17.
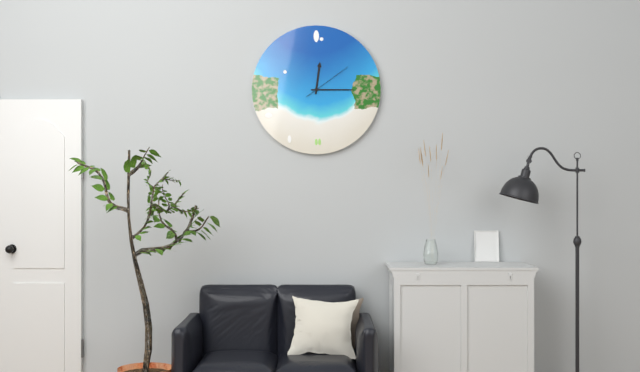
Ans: 12:15
